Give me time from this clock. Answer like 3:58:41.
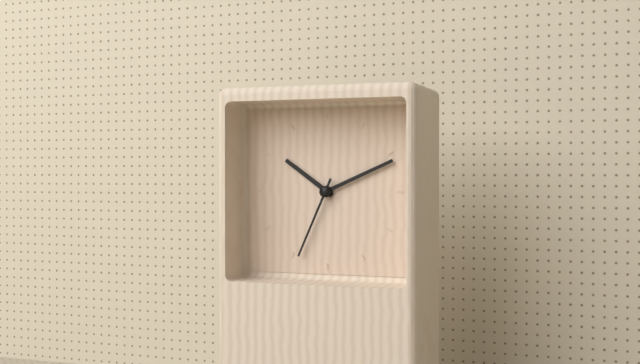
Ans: 10:11:34
